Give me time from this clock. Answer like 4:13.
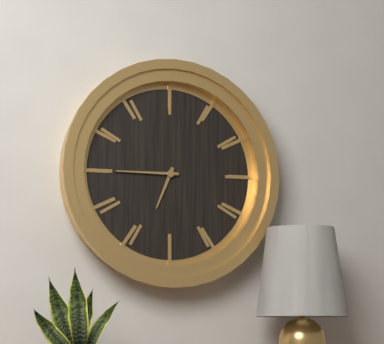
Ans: 6:45
